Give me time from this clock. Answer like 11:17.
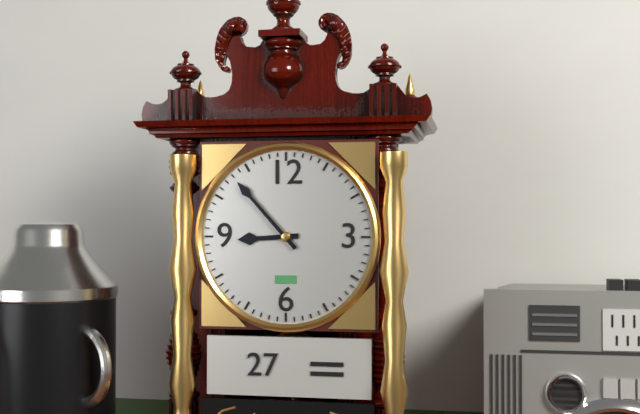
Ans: 8:53
